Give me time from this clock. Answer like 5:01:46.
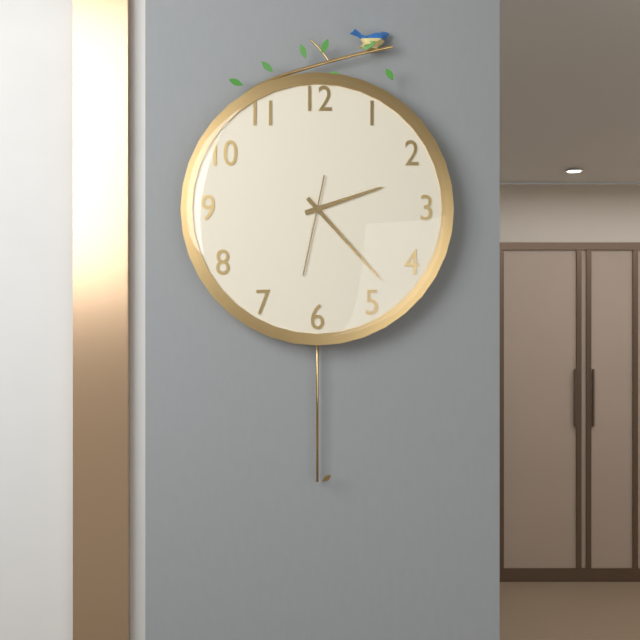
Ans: 2:23:32
